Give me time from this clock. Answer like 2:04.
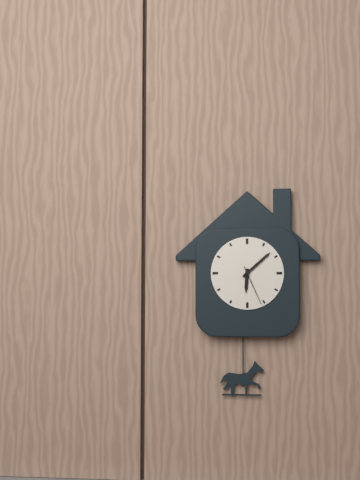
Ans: 6:08
